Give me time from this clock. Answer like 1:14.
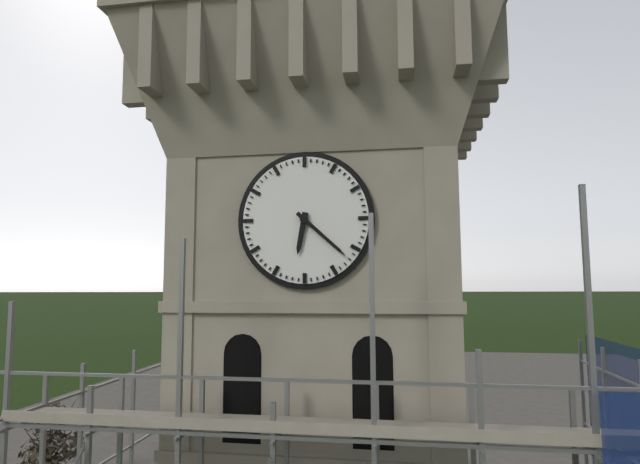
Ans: 6:22
